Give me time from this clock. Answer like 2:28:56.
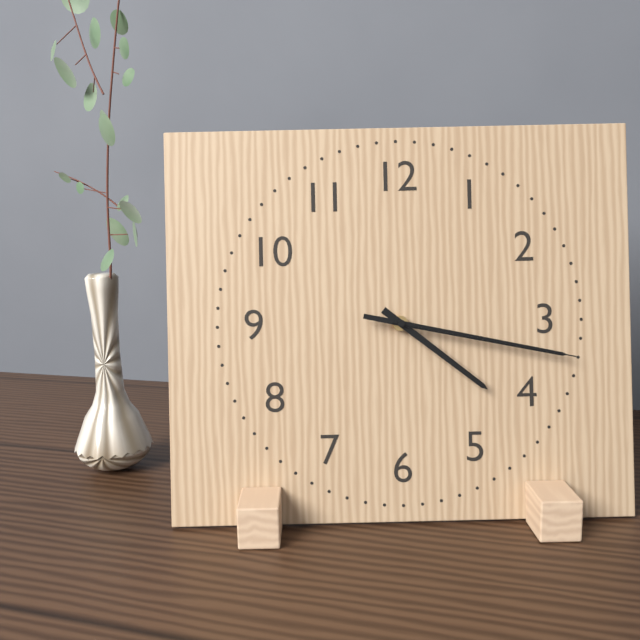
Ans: 4:17:17
